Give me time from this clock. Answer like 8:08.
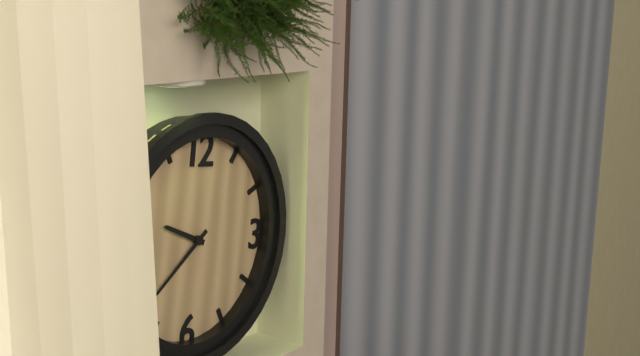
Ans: 9:38
